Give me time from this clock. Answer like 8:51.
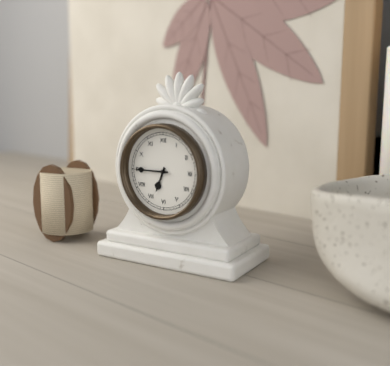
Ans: 6:45
